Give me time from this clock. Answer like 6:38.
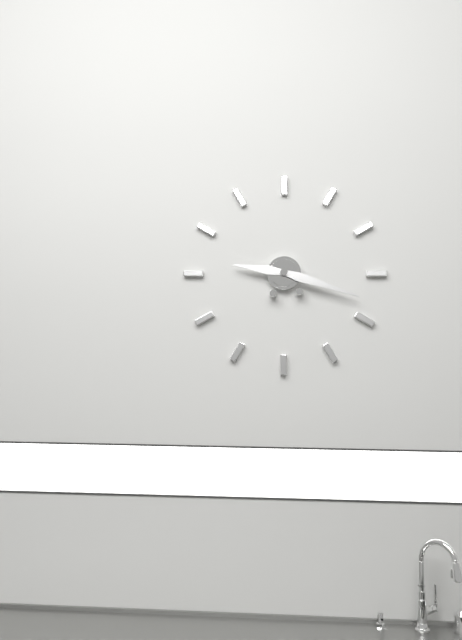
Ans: 9:18
